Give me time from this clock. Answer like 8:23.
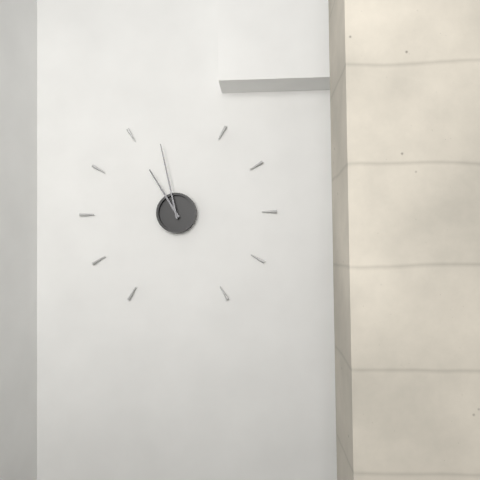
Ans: 10:58
